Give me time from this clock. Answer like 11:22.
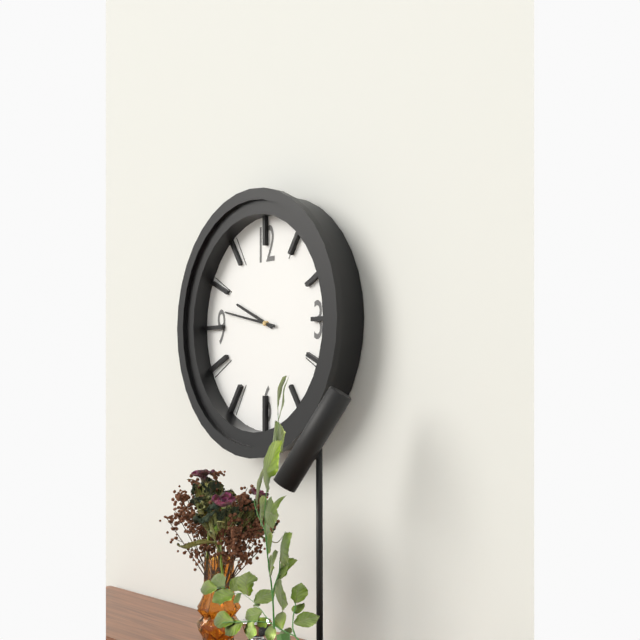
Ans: 9:47
